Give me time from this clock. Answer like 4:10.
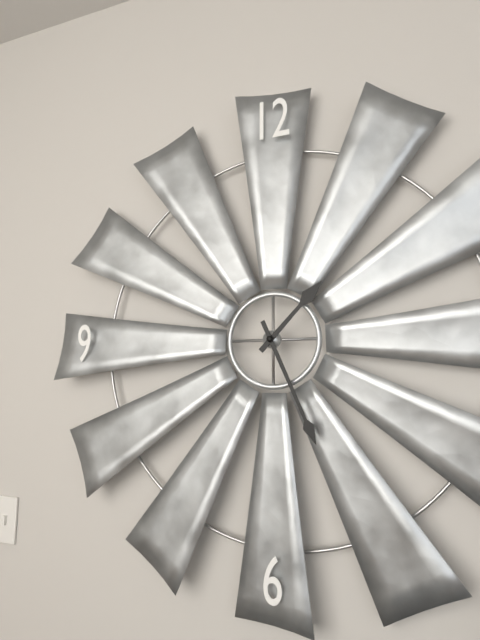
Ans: 1:26
